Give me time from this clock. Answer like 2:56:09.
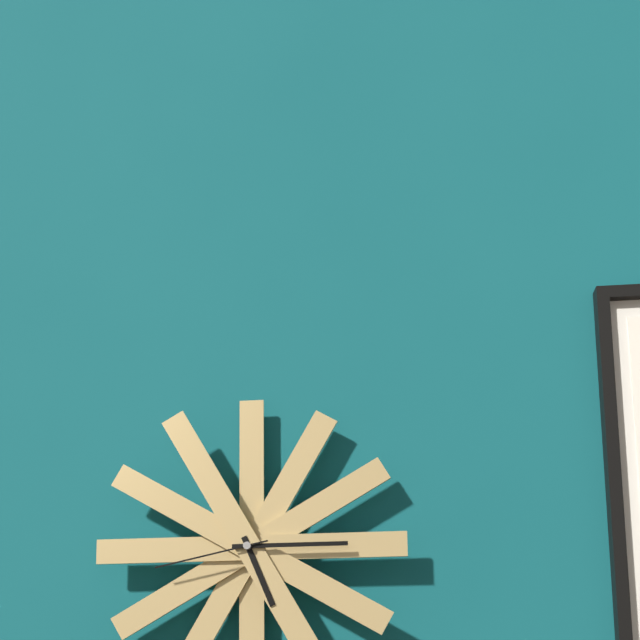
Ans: 5:15:43
